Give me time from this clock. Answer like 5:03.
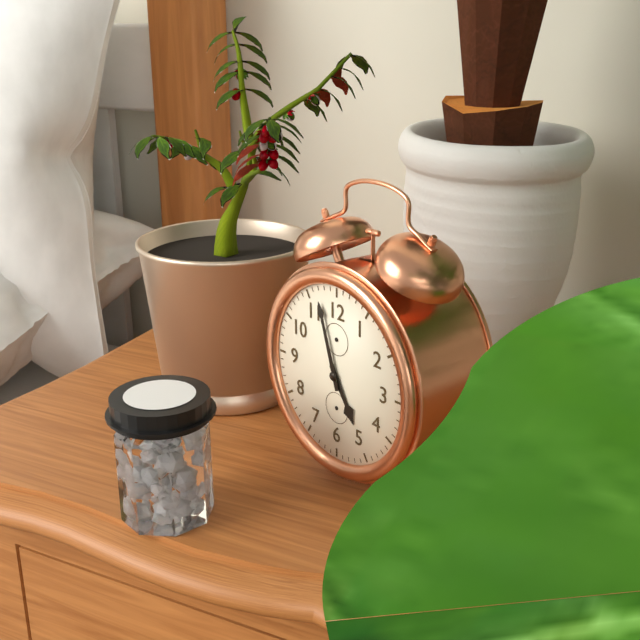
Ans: 4:57
